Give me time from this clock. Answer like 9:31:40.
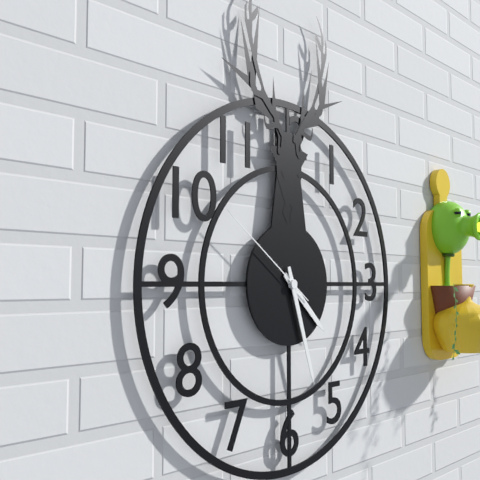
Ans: 4:27:51
